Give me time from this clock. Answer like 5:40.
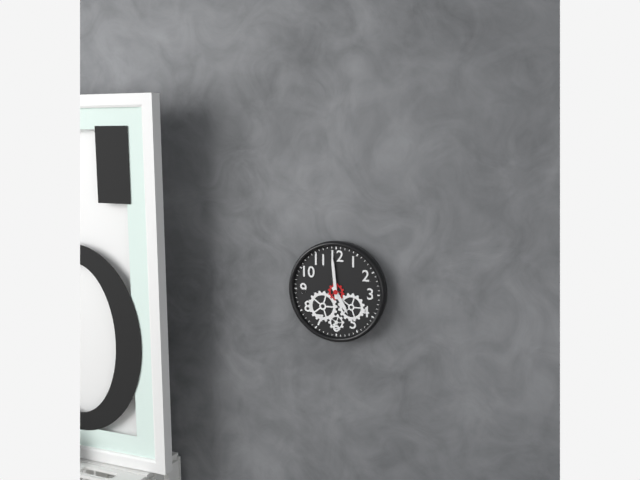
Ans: 4:59
